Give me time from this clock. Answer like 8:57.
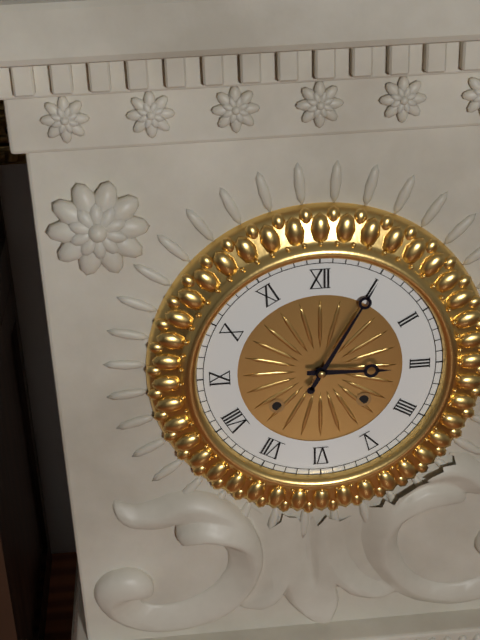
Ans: 3:05
